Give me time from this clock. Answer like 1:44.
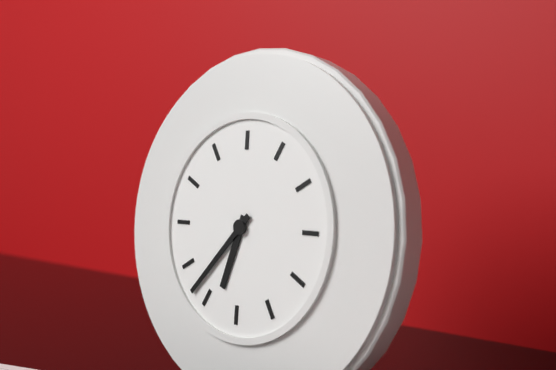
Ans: 6:37
